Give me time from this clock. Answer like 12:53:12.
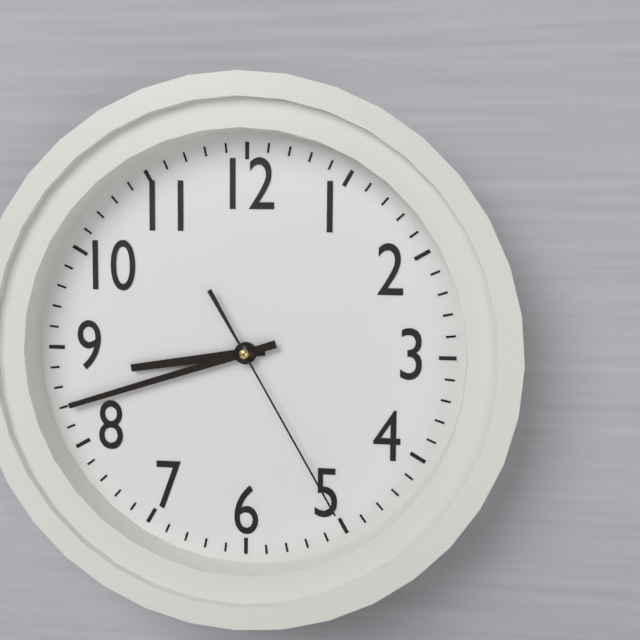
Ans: 8:42:25
